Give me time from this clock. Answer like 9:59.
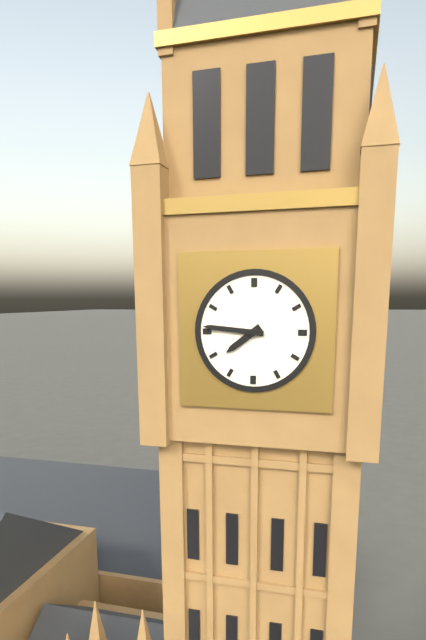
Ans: 7:46
